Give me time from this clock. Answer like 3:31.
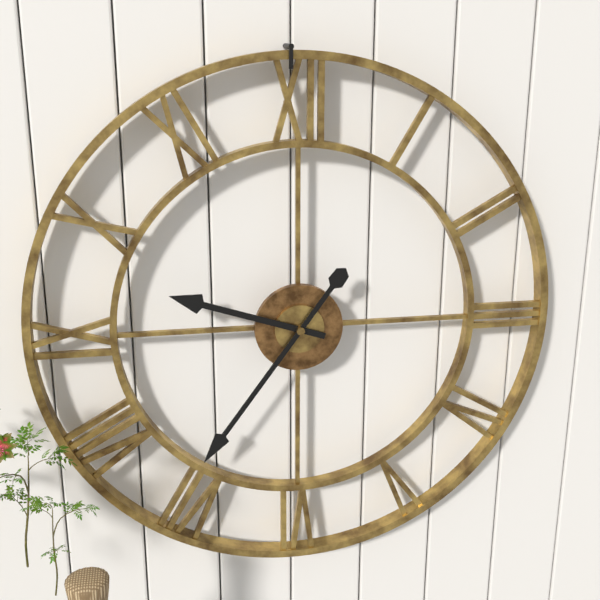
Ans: 9:36
